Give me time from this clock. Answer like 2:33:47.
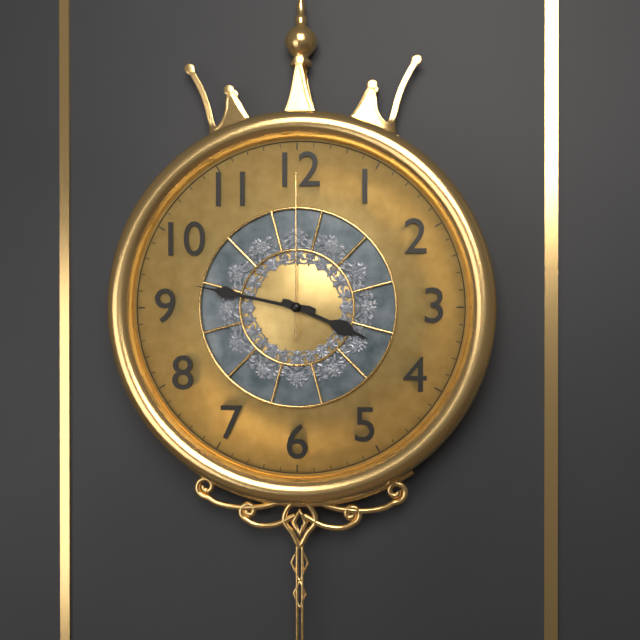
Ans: 3:47:00
